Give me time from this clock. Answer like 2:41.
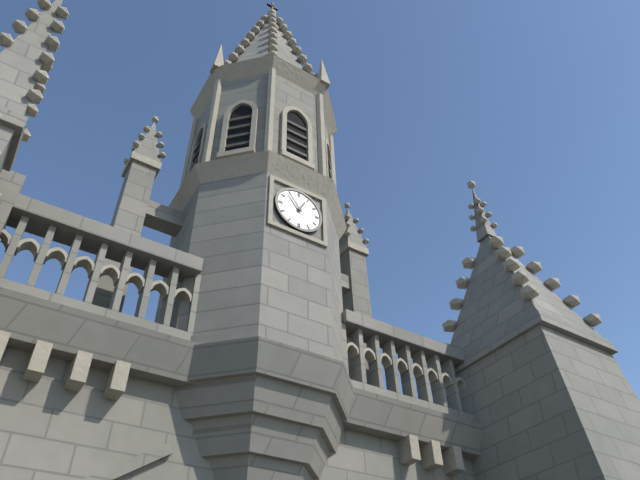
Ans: 12:54
